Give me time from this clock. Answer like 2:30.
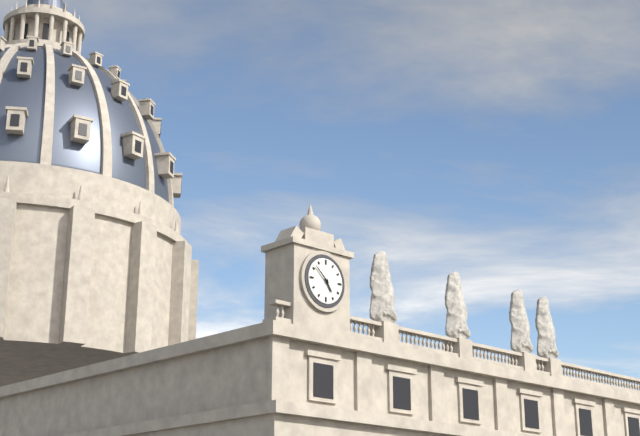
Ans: 4:52
